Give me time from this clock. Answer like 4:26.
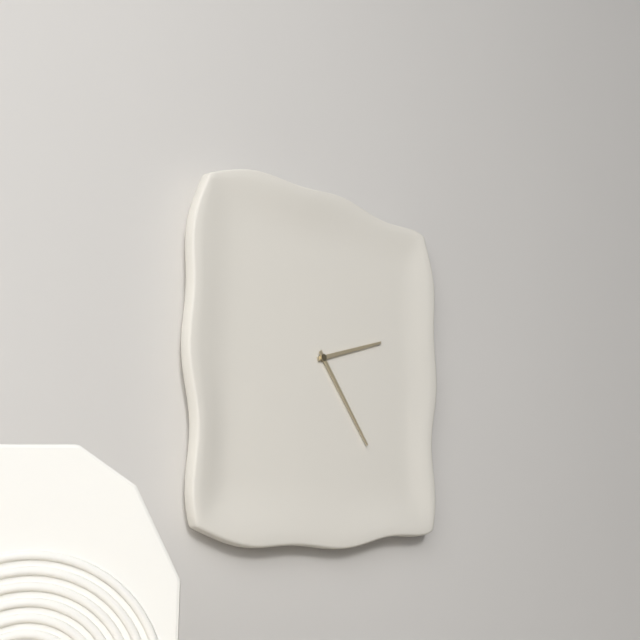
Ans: 2:24
